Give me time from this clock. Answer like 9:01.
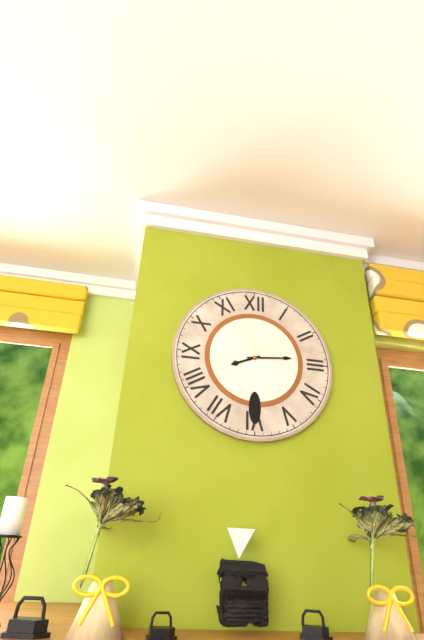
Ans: 8:14
